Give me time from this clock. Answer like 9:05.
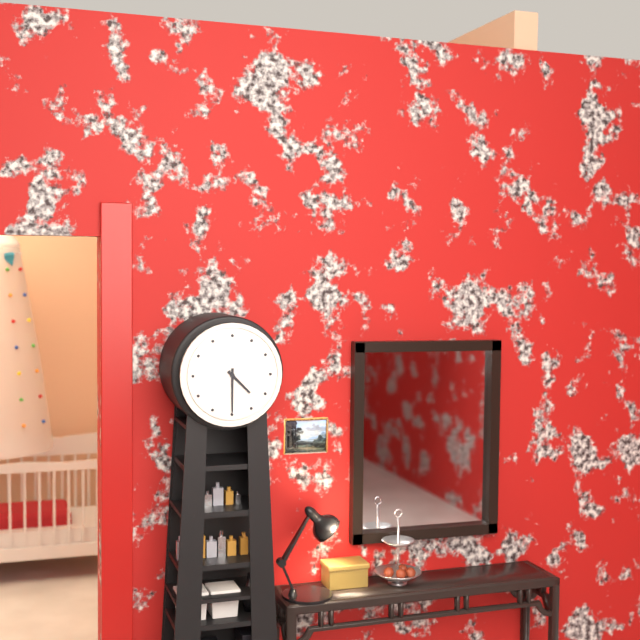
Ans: 4:30
